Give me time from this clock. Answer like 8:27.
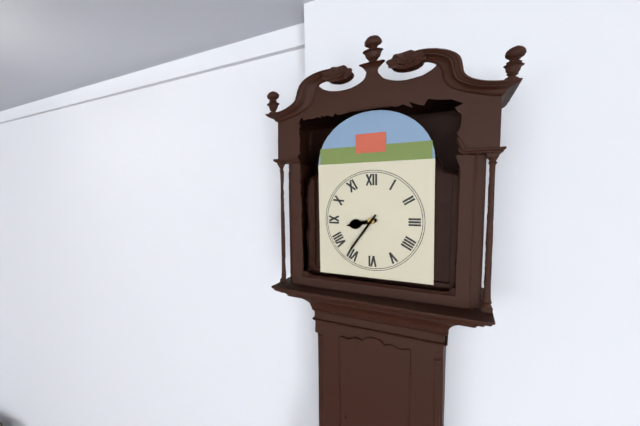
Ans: 8:36
